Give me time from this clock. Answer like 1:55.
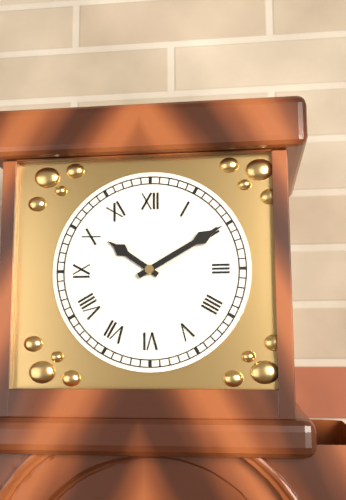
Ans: 10:10
